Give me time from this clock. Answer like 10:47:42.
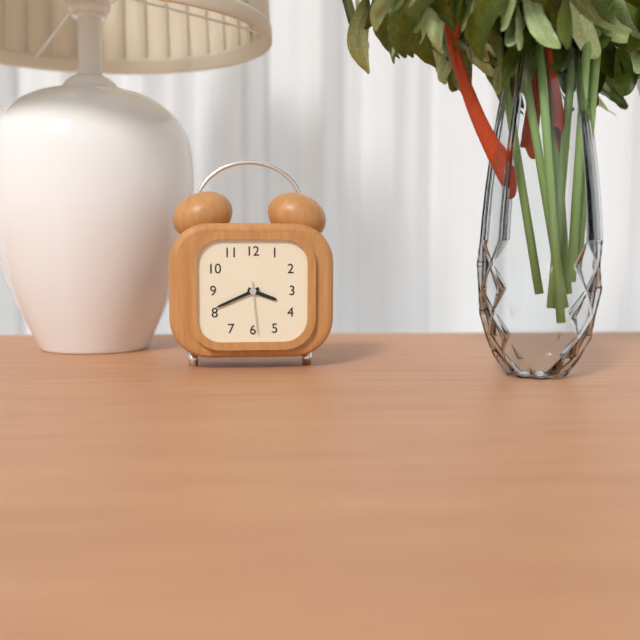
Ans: 3:41:29
